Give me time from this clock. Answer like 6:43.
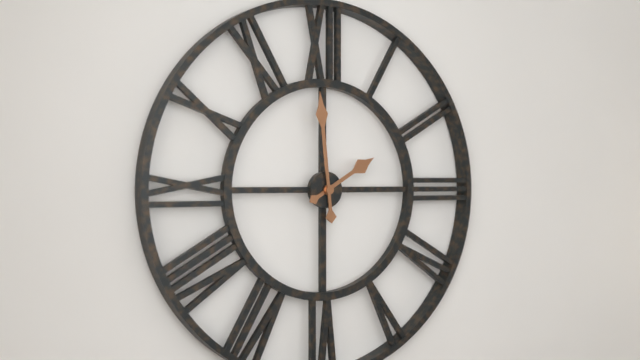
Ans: 1:59
